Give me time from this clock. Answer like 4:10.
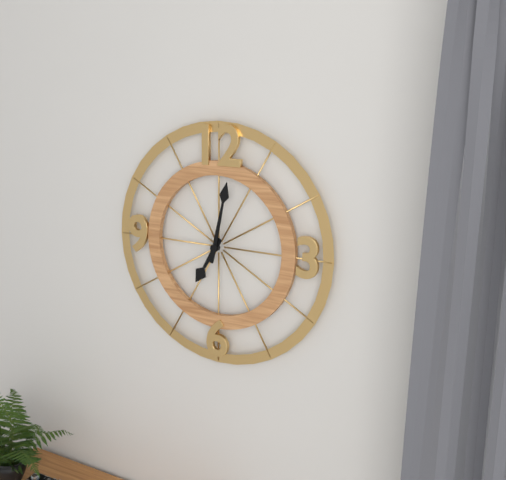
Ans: 7:02
